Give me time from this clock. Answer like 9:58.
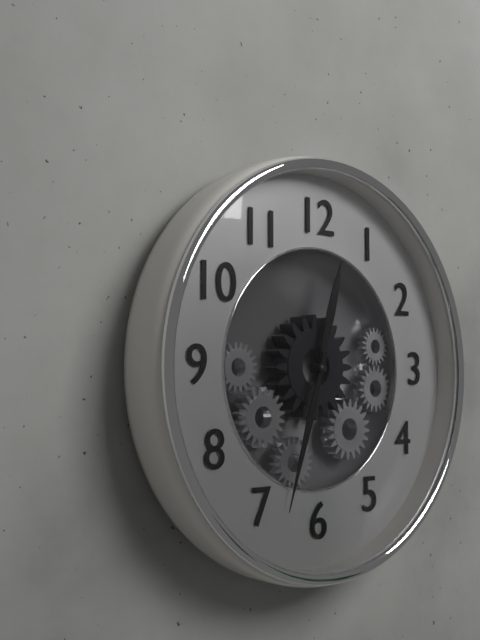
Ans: 12:33
